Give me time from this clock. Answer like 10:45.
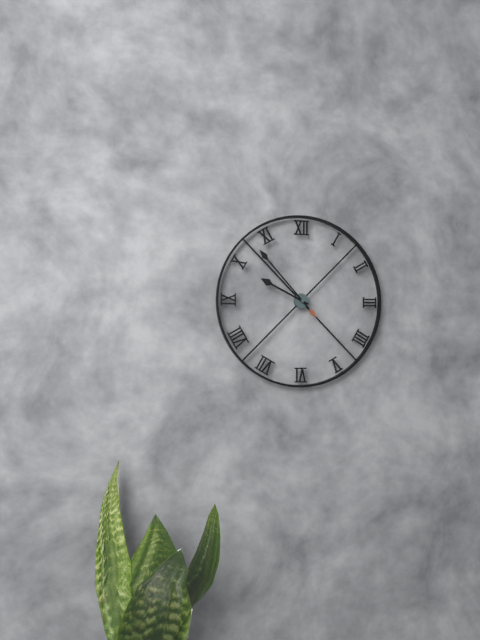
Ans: 9:53
